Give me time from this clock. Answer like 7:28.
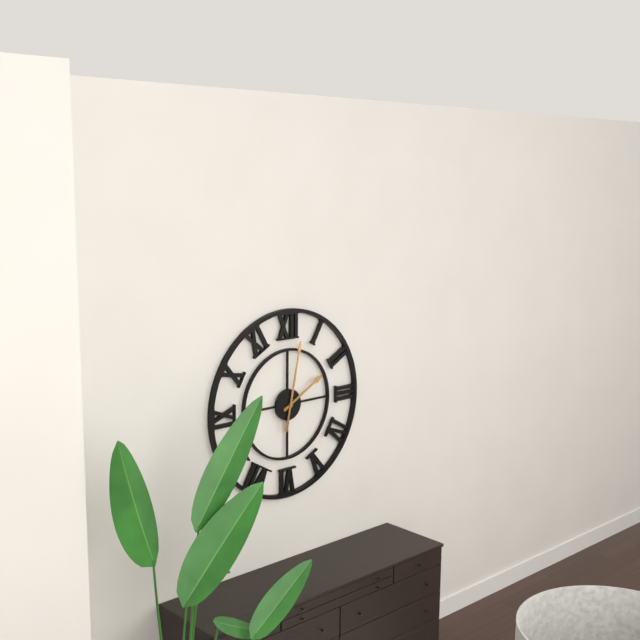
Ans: 2:02
